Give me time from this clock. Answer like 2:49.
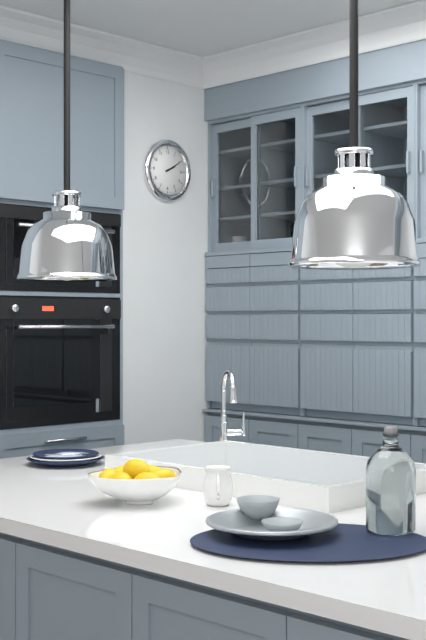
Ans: 2:10
